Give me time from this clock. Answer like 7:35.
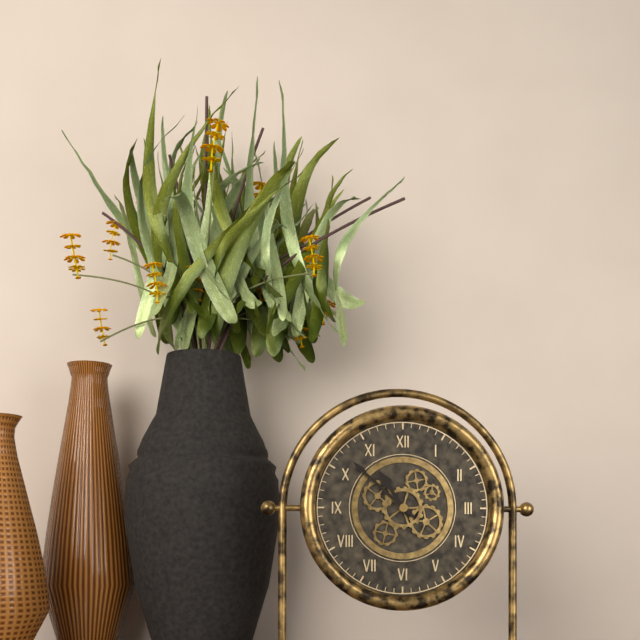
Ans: 10:52
